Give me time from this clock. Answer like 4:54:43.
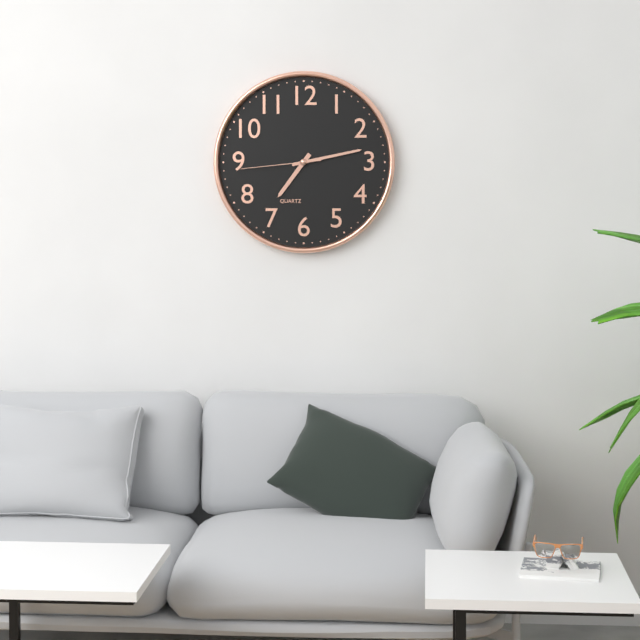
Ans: 7:13:44
